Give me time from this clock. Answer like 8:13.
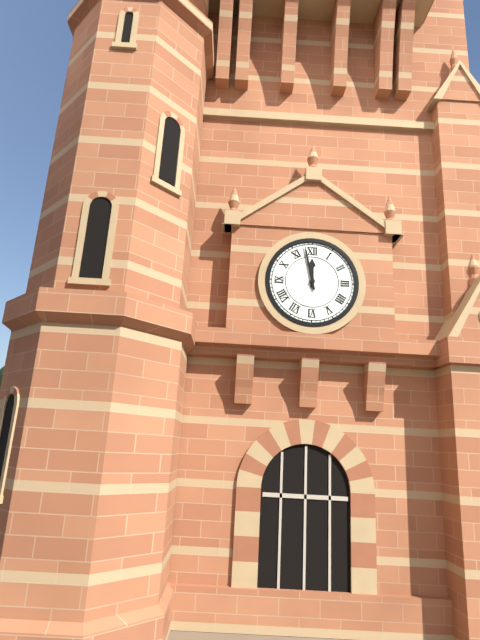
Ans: 11:58
